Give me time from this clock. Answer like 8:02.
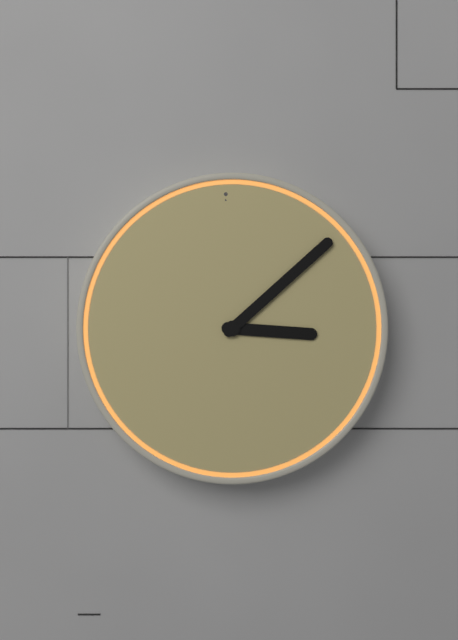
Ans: 3:08
